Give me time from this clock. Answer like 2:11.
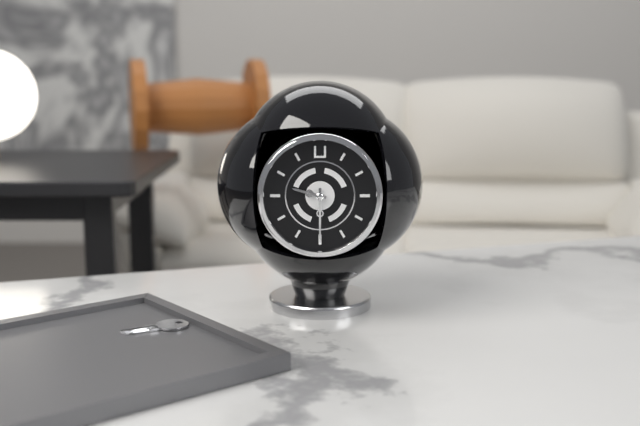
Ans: 9:30
